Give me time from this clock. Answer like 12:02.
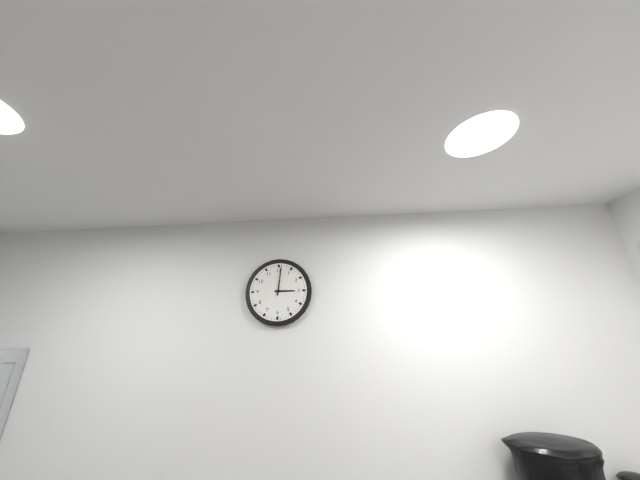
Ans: 3:01
